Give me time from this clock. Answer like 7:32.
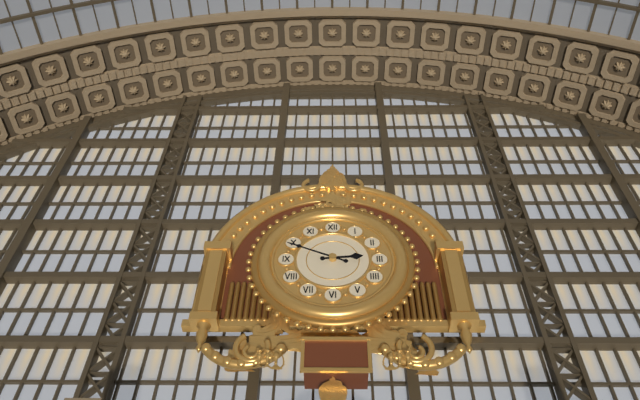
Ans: 2:49
